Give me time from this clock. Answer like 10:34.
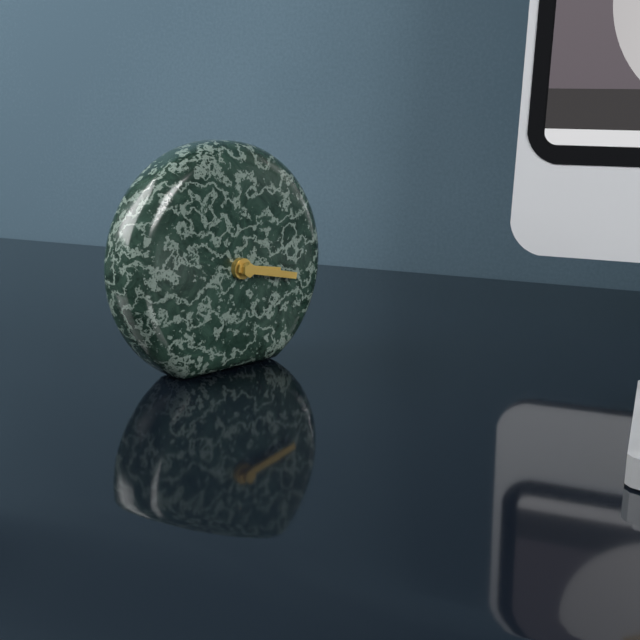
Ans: 3:17
